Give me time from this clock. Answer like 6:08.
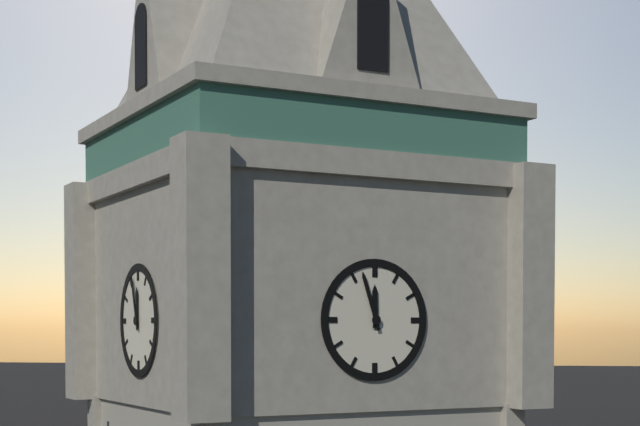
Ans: 11:57
